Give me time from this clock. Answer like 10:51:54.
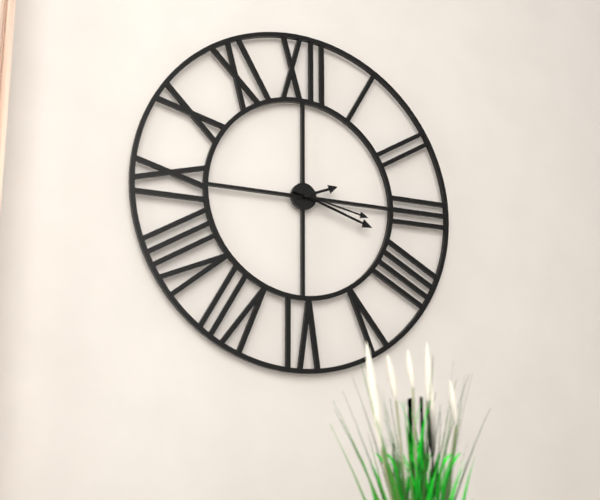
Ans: 2:18:17
